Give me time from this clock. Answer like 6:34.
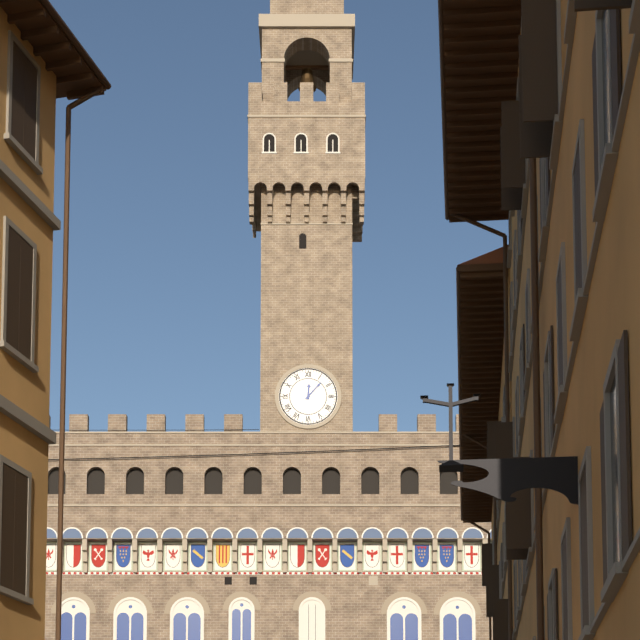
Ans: 12:07
